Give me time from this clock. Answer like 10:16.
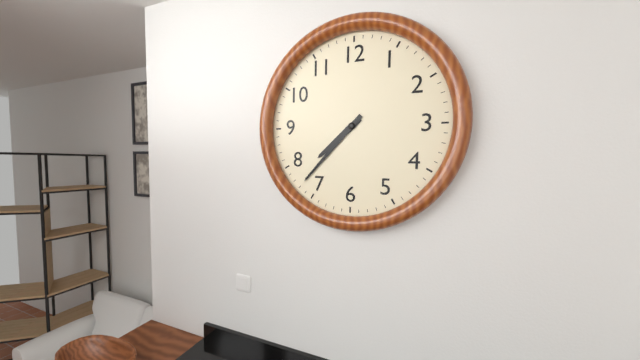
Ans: 7:37
